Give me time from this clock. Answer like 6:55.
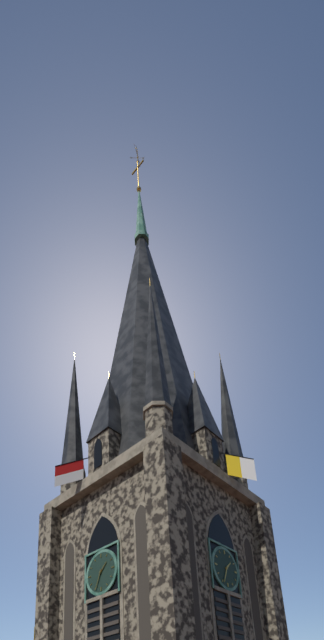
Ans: 1:34
